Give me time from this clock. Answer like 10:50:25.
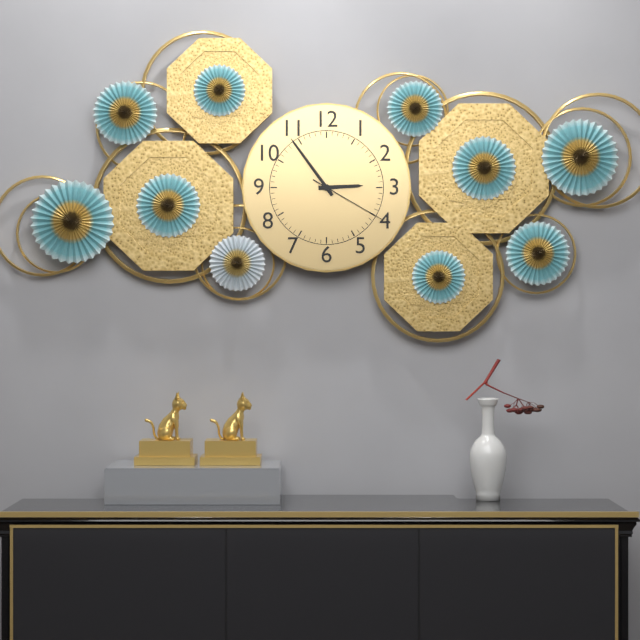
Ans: 2:54:20
